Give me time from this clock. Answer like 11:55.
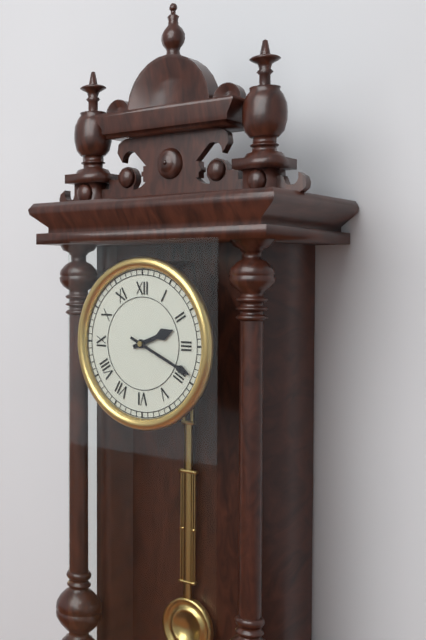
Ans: 2:19
